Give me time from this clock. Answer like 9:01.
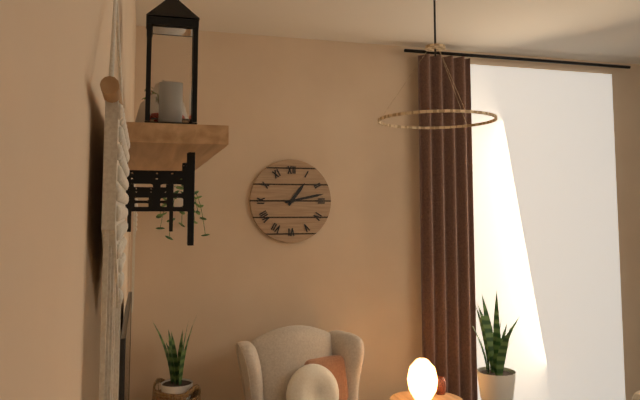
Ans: 1:13
